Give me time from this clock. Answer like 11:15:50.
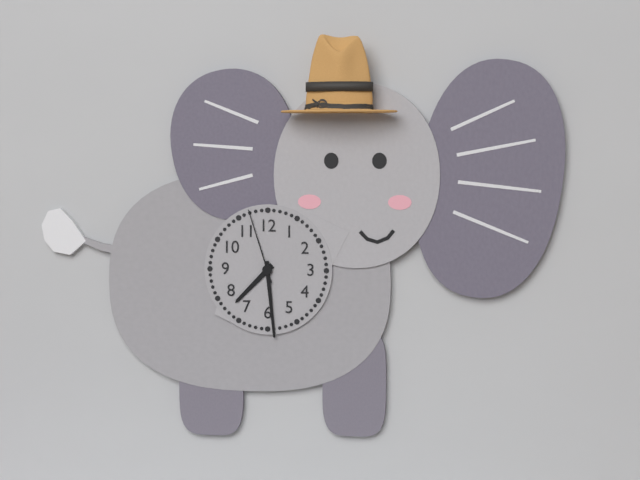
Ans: 7:29:57
